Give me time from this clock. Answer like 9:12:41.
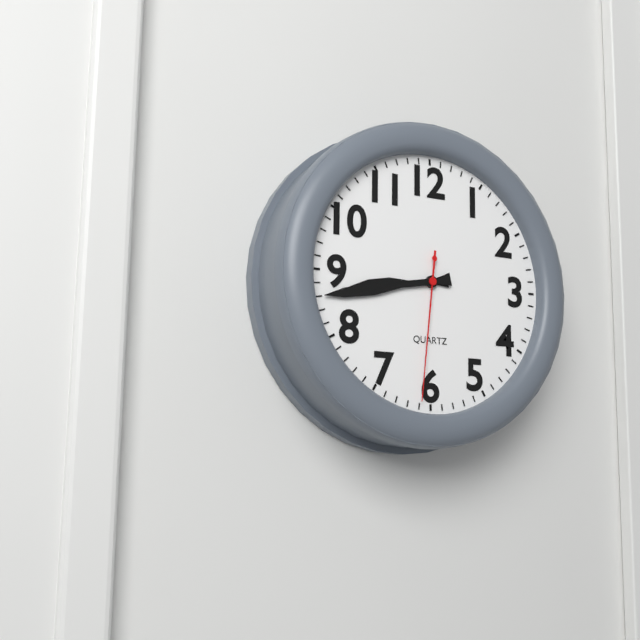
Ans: 8:43:31
